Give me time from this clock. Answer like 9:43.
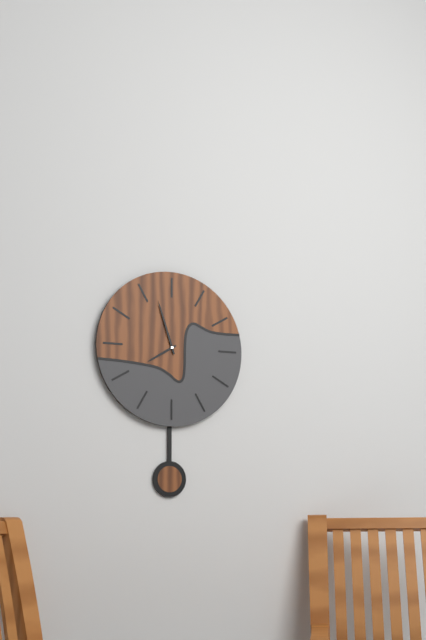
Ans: 7:57
